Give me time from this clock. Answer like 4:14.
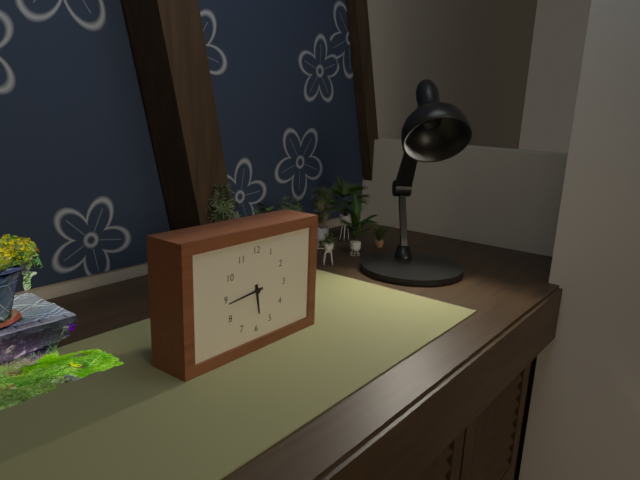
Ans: 5:44
